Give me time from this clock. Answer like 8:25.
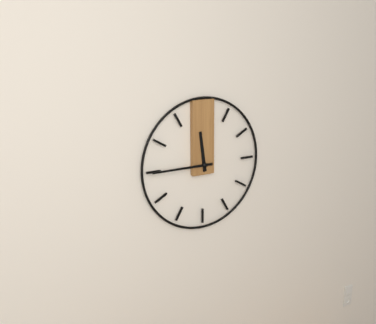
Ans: 11:45
